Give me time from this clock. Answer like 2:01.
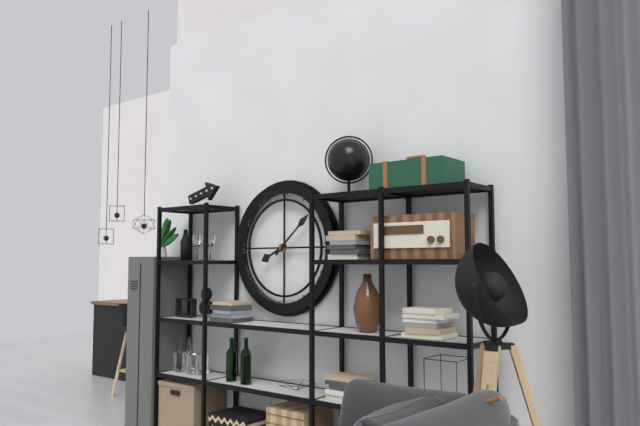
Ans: 8:08
